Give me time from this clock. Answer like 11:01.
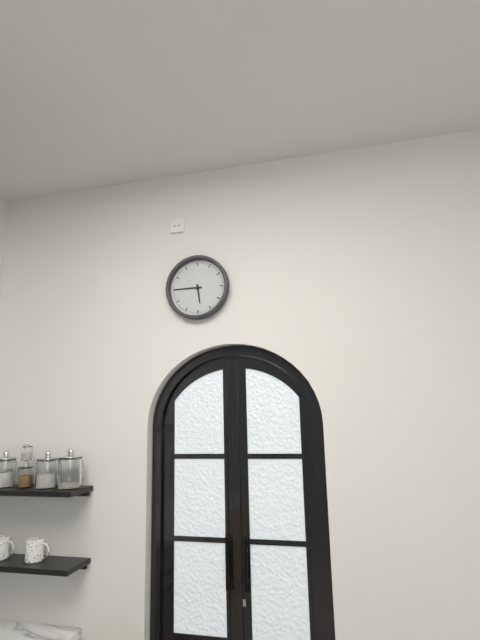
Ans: 5:45
